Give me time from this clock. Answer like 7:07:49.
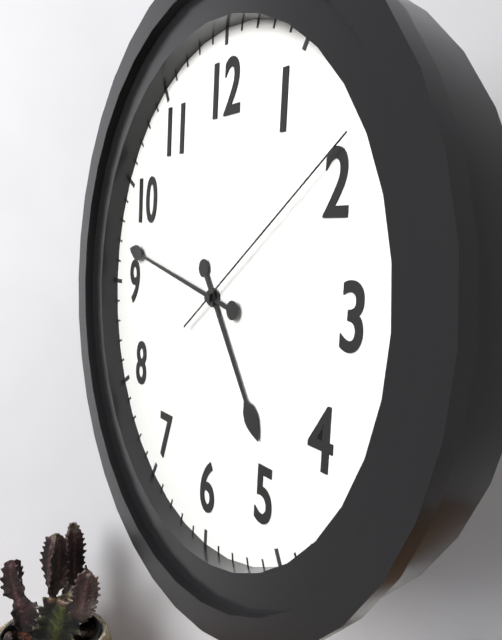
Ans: 4:47:09
